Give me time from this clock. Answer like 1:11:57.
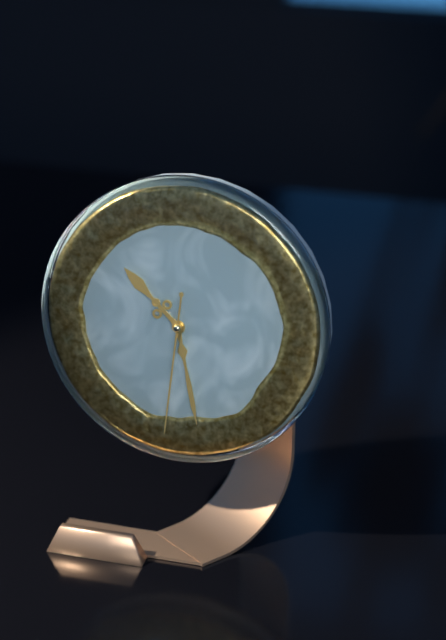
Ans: 10:28:31
